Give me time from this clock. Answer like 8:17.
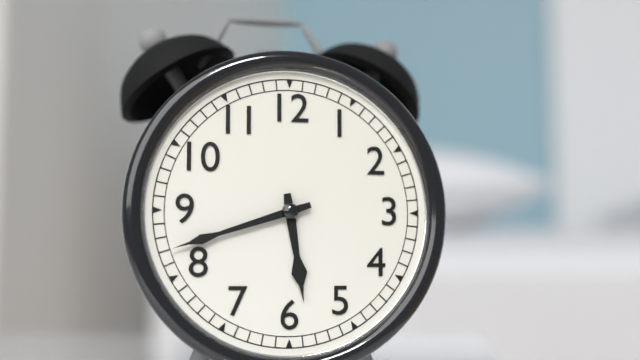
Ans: 5:42
